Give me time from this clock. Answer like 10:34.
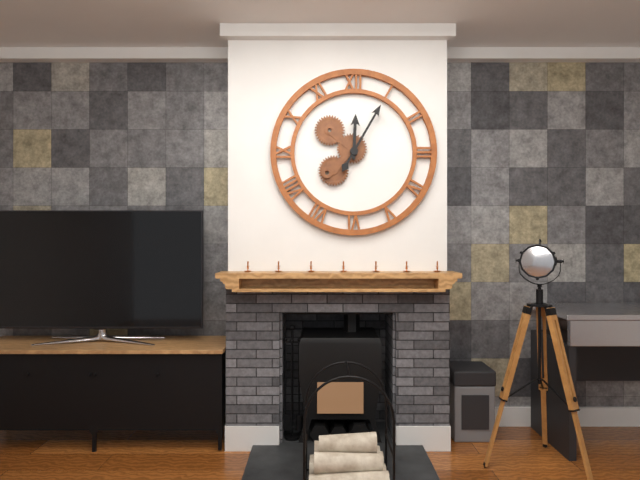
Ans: 12:05
